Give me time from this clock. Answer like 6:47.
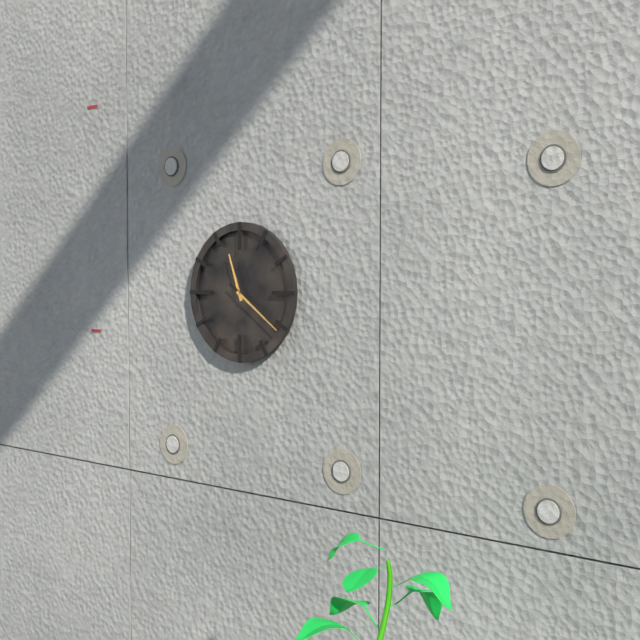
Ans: 11:21
